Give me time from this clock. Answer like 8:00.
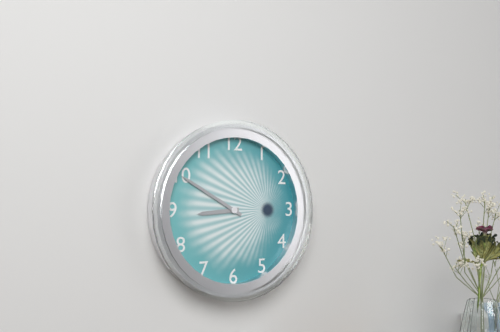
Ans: 8:50
